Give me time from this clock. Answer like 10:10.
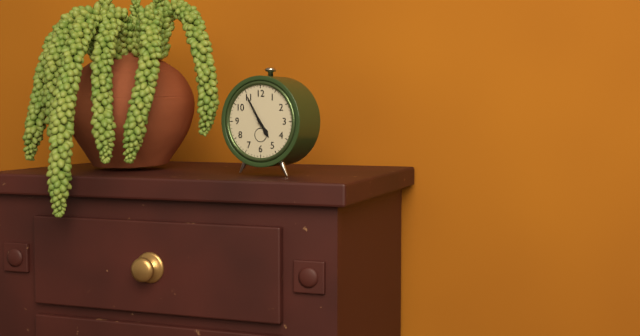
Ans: 4:55
